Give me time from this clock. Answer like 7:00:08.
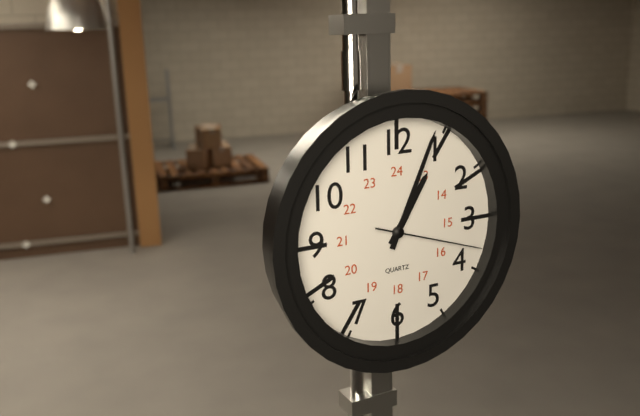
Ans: 1:04:18
